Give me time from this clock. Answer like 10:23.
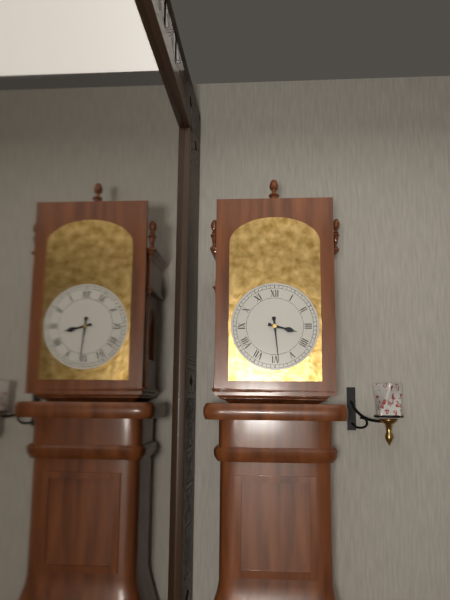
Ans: 3:29
